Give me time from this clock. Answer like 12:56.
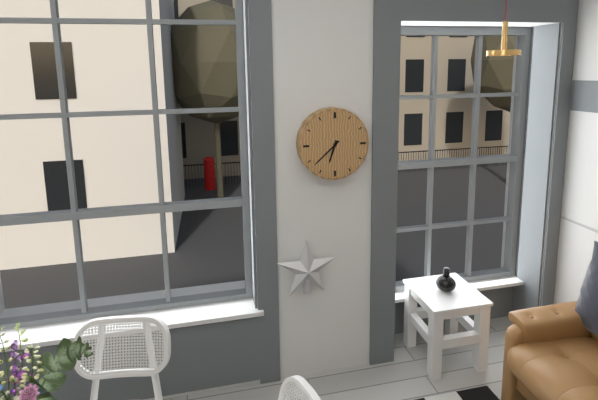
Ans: 6:38
